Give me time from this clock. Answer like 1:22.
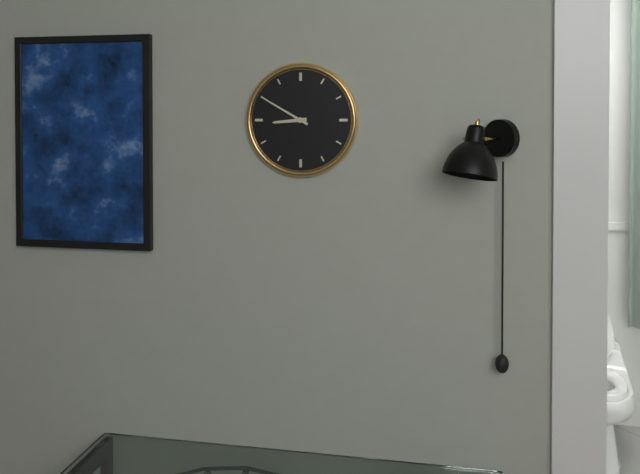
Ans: 8:50
